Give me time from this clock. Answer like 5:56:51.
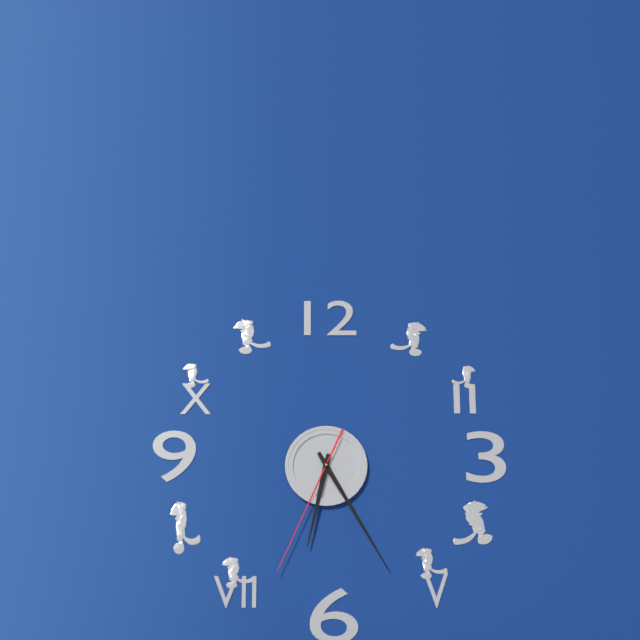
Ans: 6:25:34
